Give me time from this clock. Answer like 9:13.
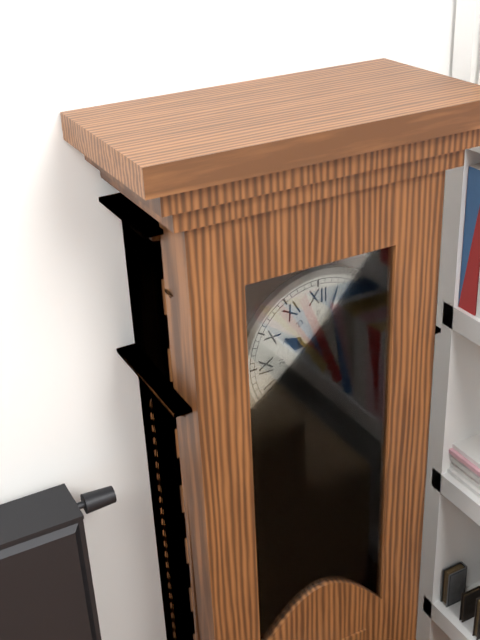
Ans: 10:03
